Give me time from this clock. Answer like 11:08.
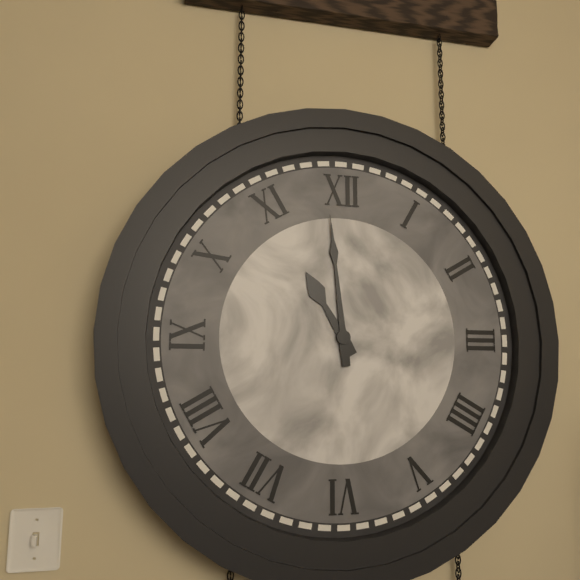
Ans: 10:59
